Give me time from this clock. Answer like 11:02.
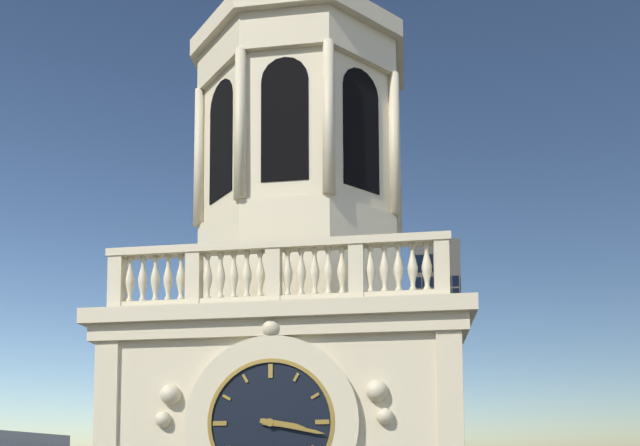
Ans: 3:17
